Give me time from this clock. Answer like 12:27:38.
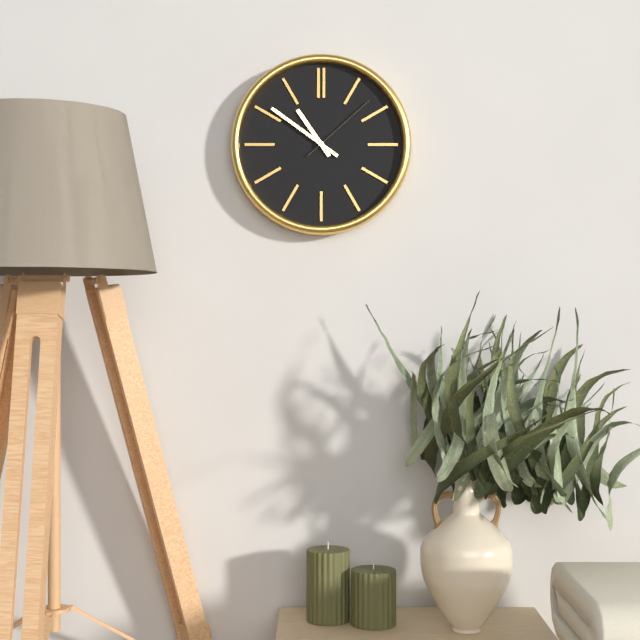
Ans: 10:51:08
